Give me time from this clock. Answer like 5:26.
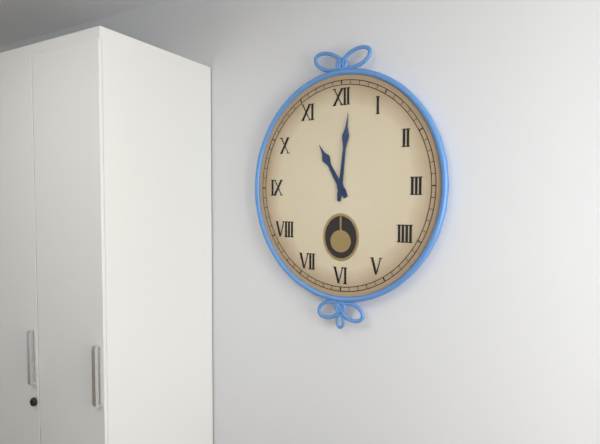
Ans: 11:01
